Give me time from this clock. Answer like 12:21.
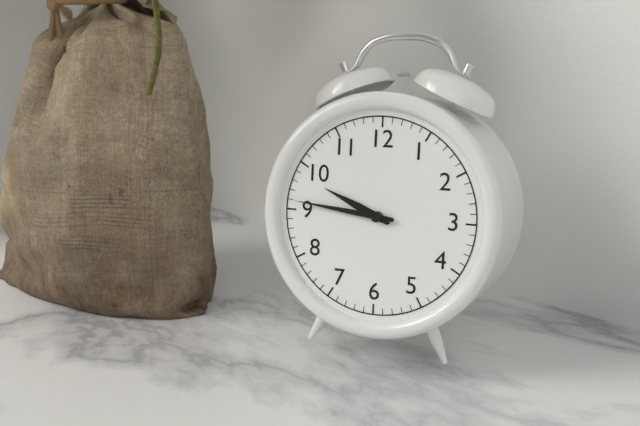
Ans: 9:46
